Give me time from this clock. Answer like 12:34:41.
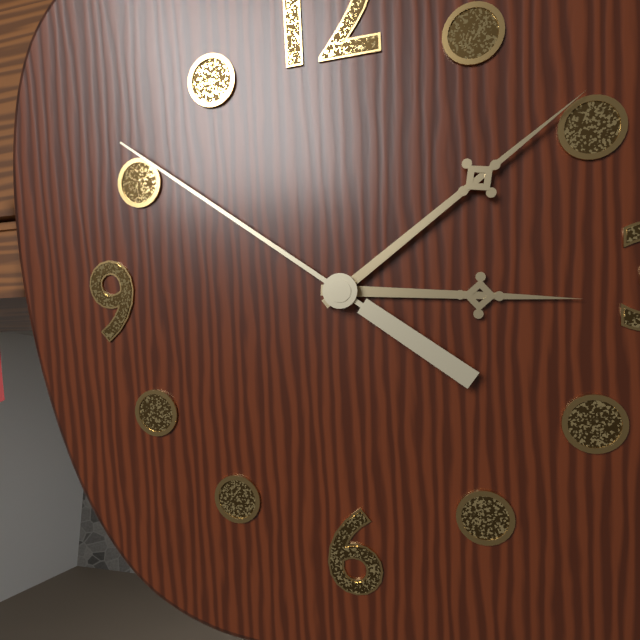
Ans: 3:09:51
